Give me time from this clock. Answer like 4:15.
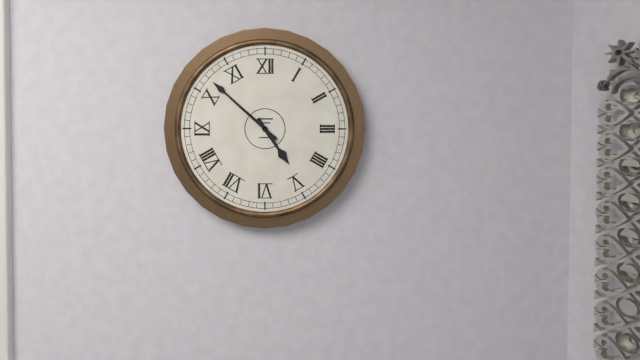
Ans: 4:52
